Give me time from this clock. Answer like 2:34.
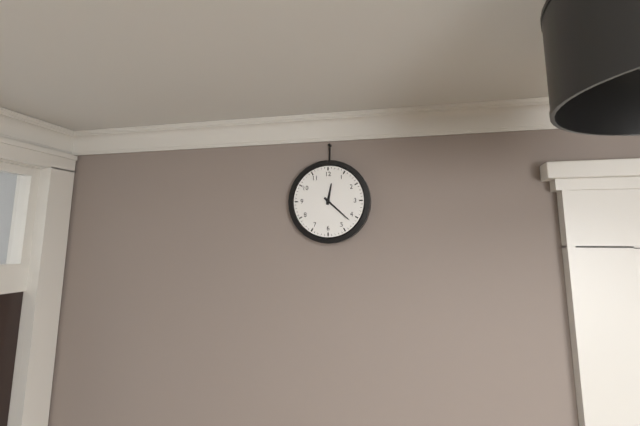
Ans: 12:22
